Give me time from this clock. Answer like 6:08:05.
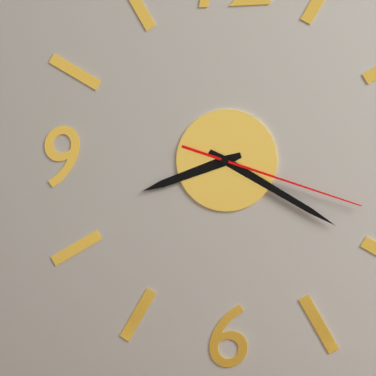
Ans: 8:20:18
